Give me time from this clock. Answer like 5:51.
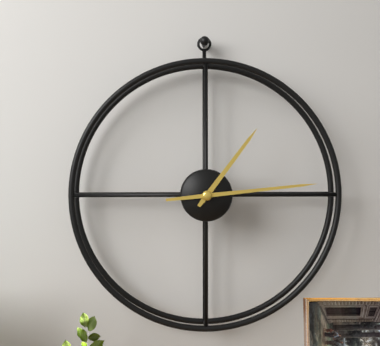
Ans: 1:14
